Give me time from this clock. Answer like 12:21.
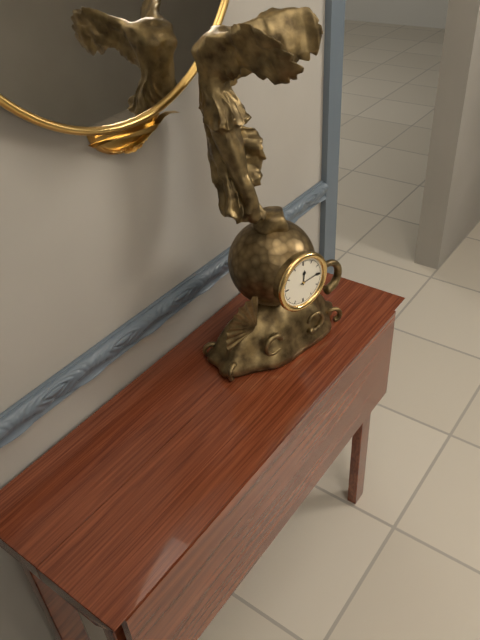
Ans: 12:14
